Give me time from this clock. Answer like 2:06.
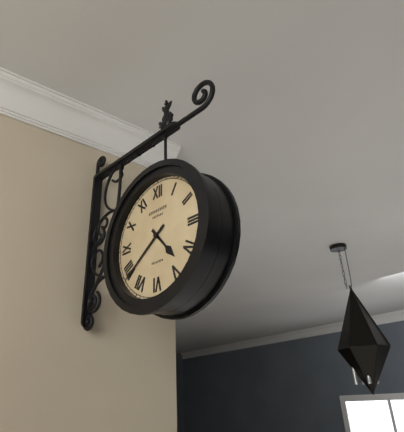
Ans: 4:39
